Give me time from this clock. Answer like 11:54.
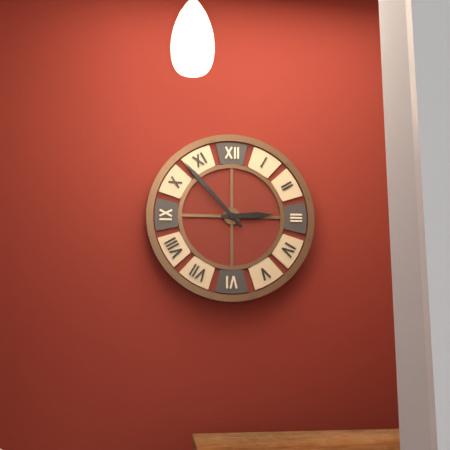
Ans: 2:53
